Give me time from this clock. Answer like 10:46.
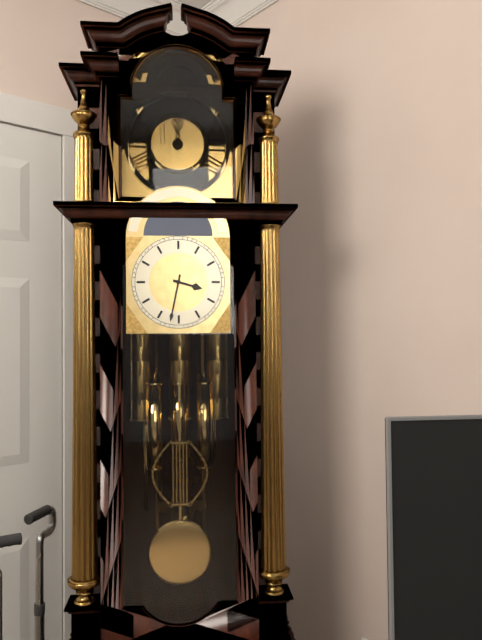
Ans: 3:32
